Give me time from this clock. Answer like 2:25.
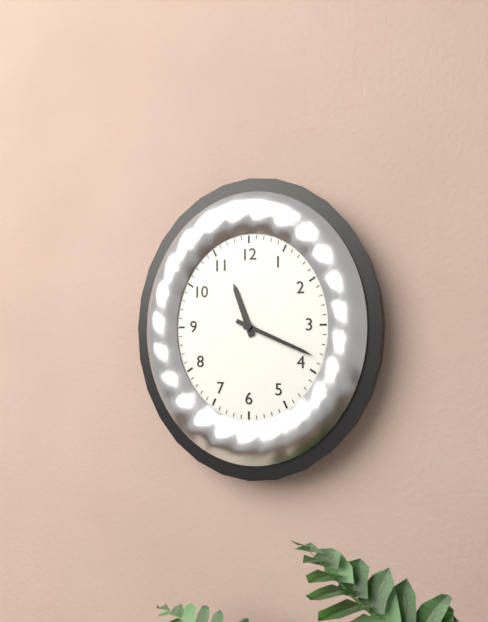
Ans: 11:19
